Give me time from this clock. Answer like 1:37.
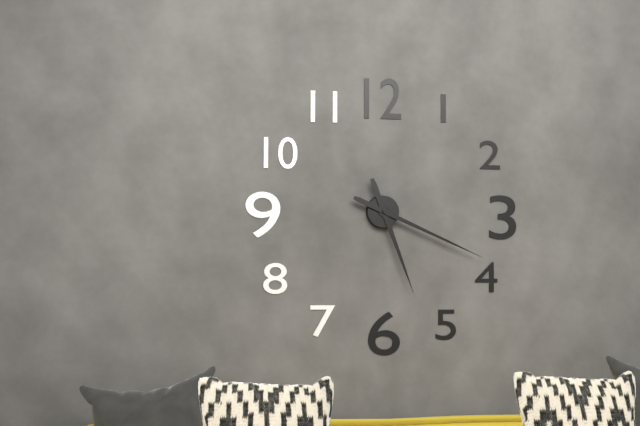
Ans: 5:19
